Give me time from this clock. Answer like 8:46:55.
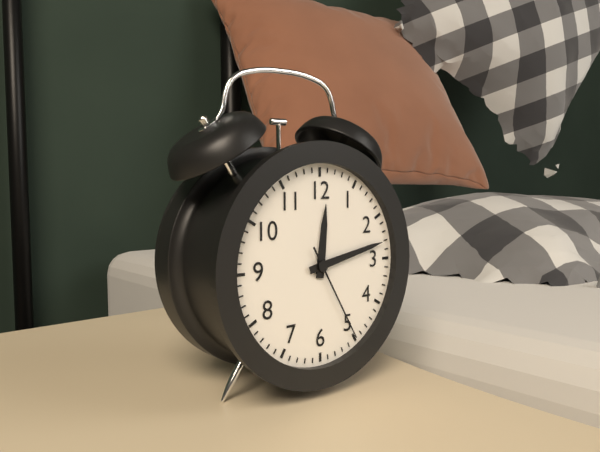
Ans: 12:13:25
